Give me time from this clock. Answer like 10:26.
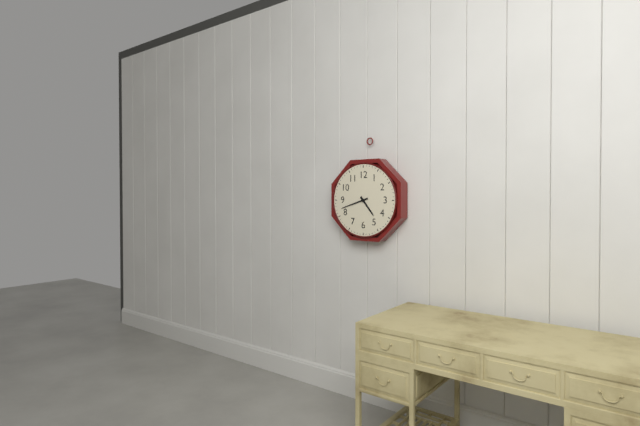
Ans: 4:42
